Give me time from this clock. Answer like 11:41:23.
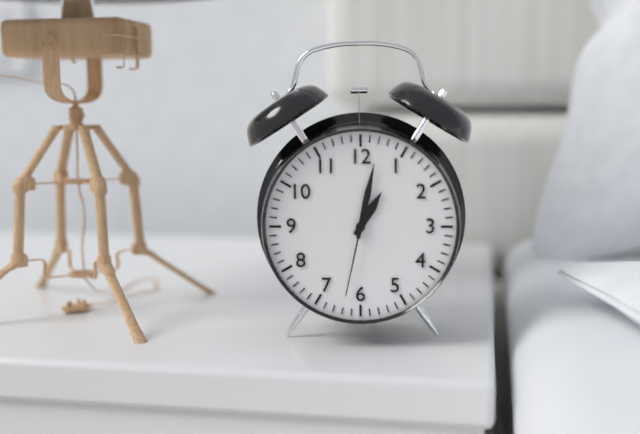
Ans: 1:02:32
